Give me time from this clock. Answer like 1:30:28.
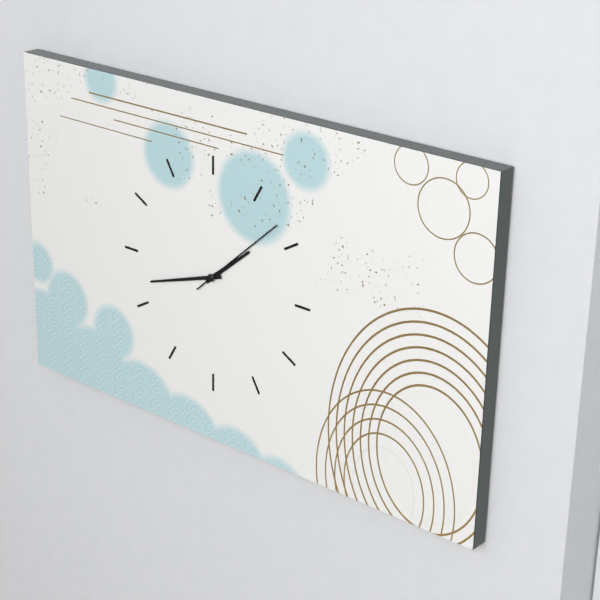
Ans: 1:42:08
